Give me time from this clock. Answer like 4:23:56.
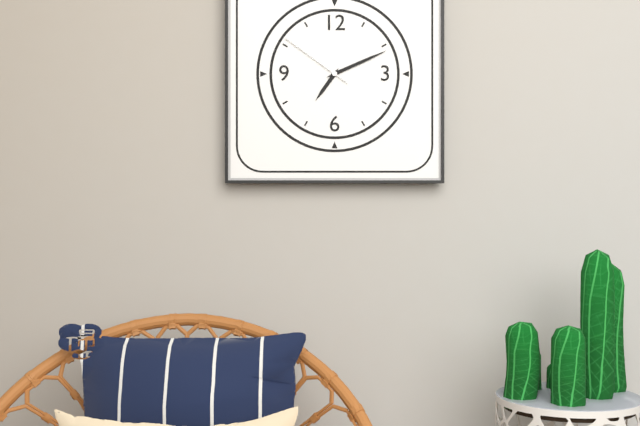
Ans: 7:11:51
